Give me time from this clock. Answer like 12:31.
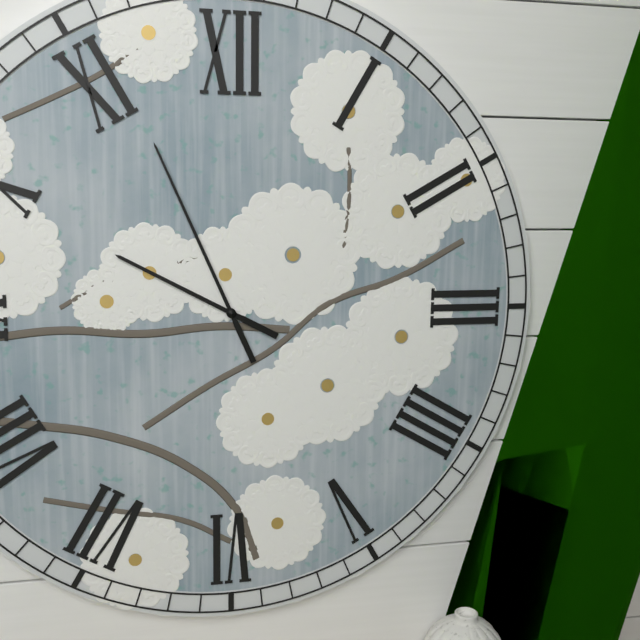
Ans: 9:56
